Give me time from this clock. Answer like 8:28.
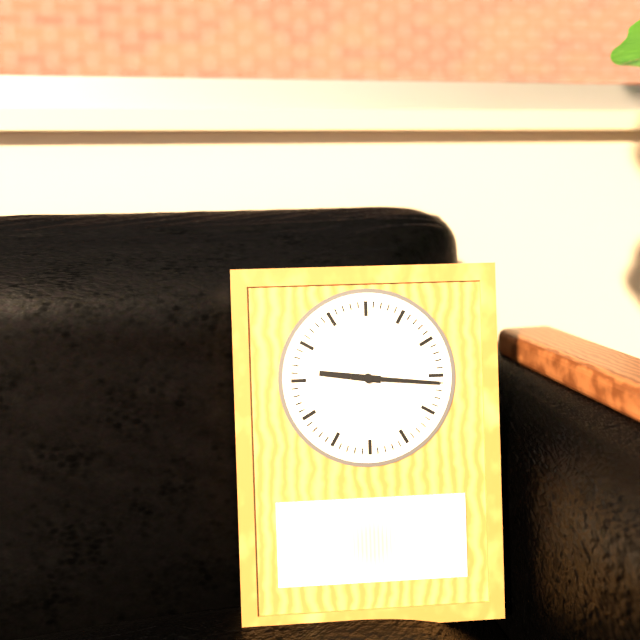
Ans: 9:16
